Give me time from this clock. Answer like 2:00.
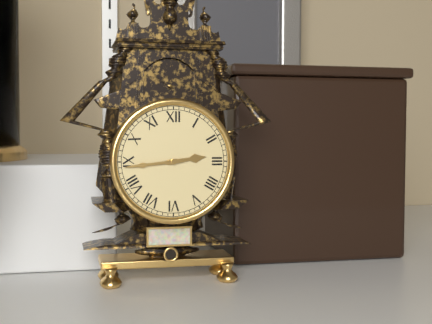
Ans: 2:44
